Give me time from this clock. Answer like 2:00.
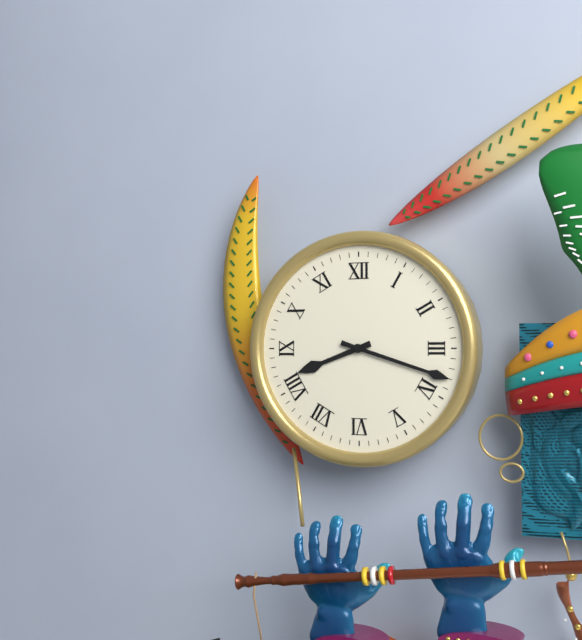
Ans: 8:18
